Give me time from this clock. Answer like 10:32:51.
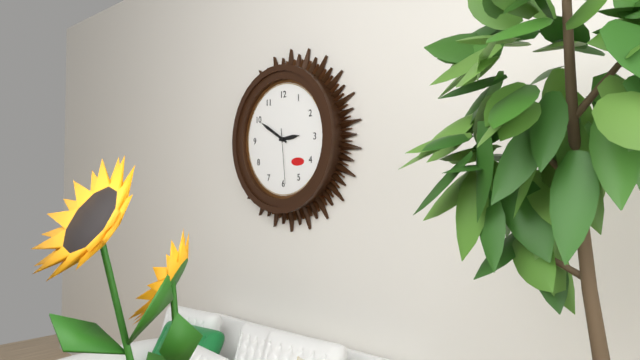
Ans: 2:50:29
